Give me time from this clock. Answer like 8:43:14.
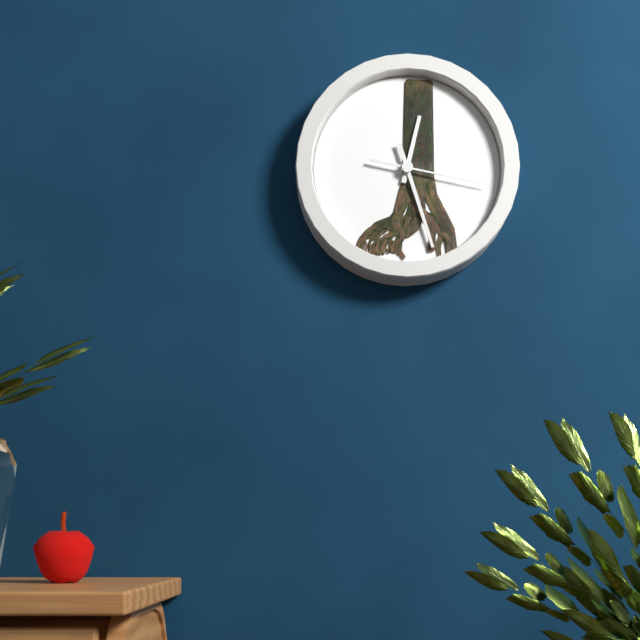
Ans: 12:27:17
